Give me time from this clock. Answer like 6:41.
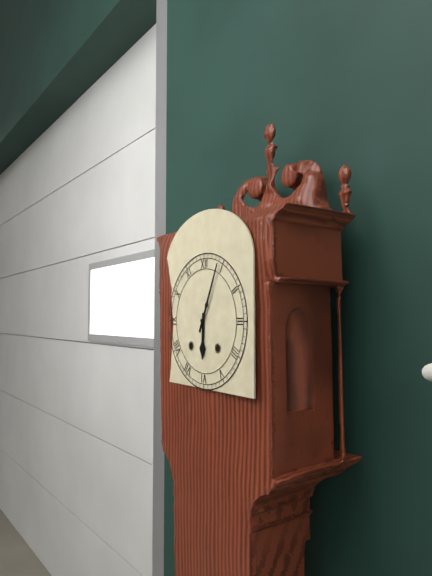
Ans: 6:04
